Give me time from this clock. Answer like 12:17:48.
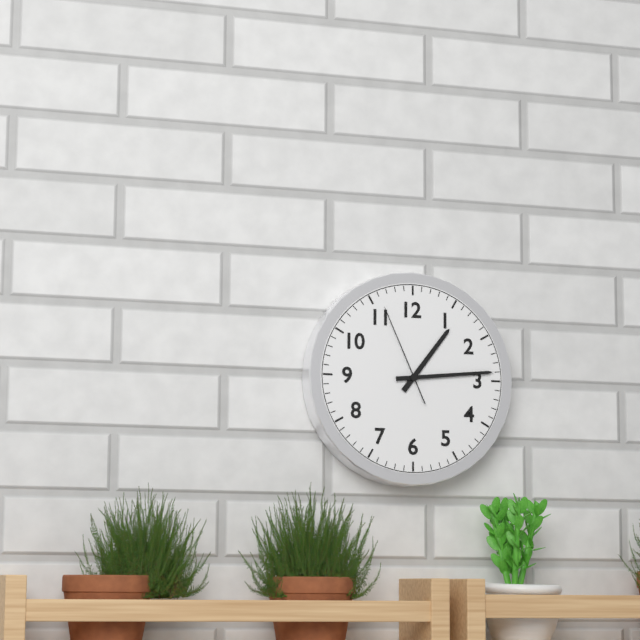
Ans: 1:14:56
